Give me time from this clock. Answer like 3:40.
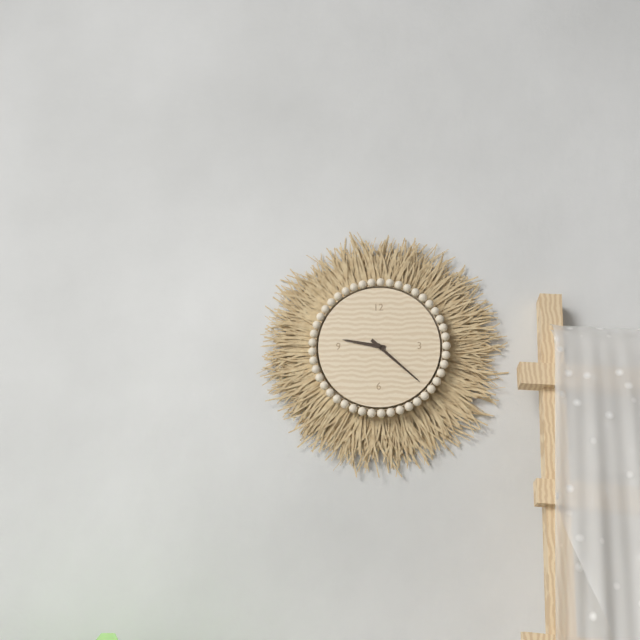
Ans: 9:22
